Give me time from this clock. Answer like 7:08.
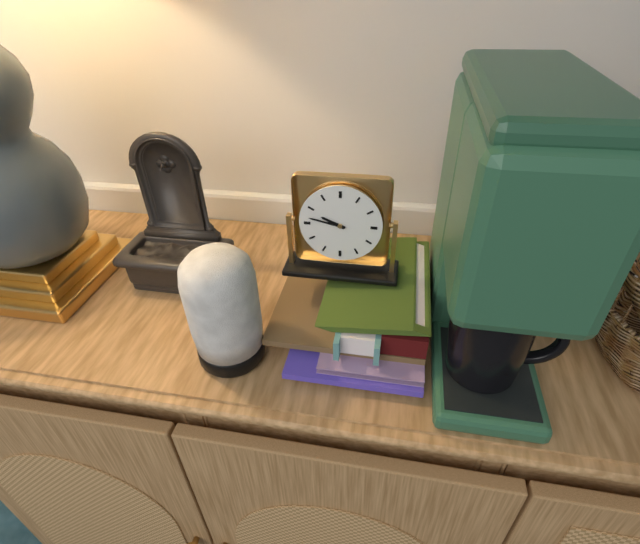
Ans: 9:47
